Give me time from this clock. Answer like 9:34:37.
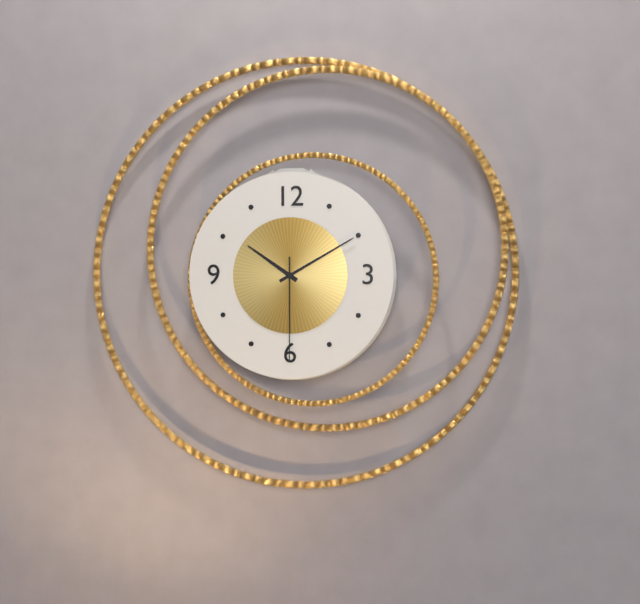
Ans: 10:10:30
